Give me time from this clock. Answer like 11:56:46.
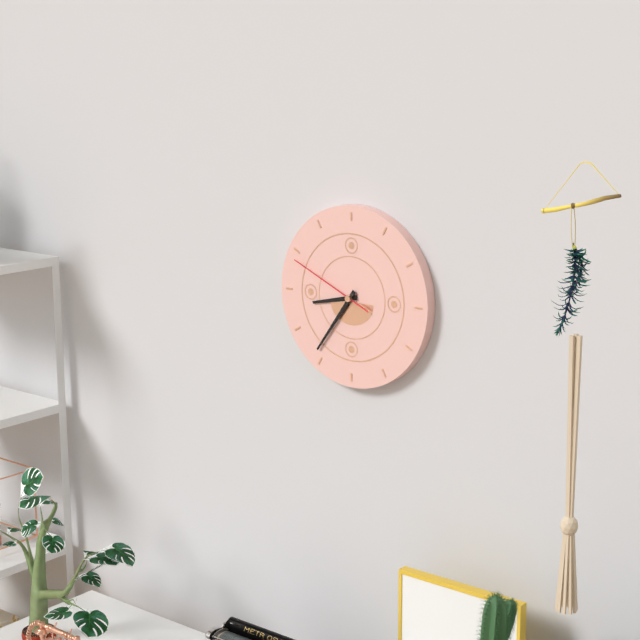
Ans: 8:36:49
